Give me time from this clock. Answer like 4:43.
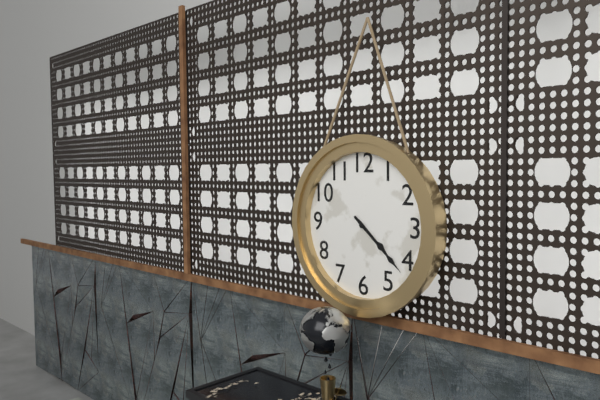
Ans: 4:22
